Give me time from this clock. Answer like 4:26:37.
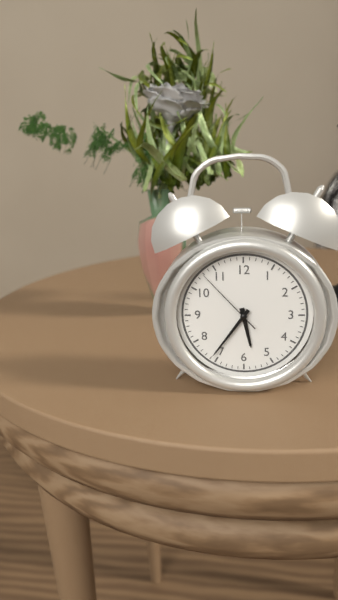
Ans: 5:36:53
